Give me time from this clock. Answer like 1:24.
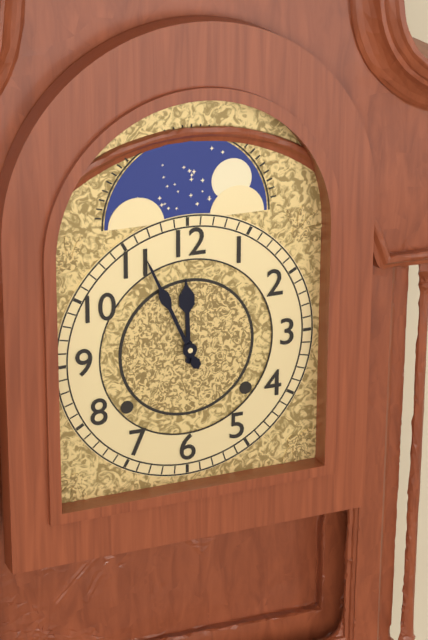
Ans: 11:56
